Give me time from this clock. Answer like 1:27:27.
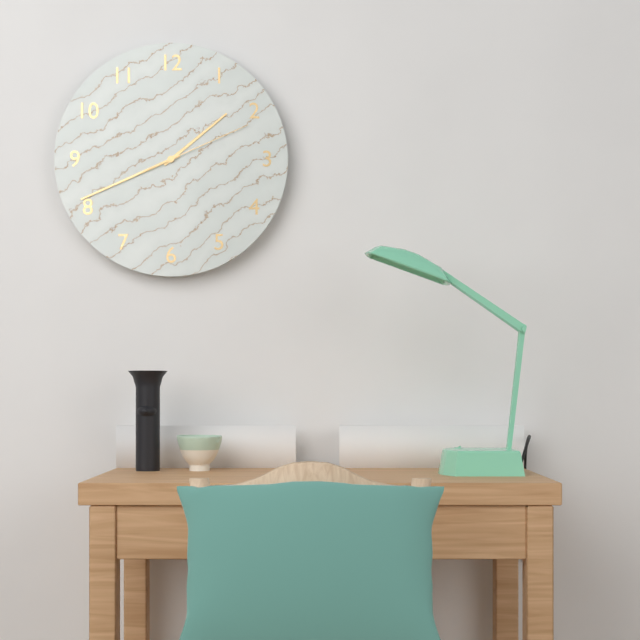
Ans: 1:41:11
